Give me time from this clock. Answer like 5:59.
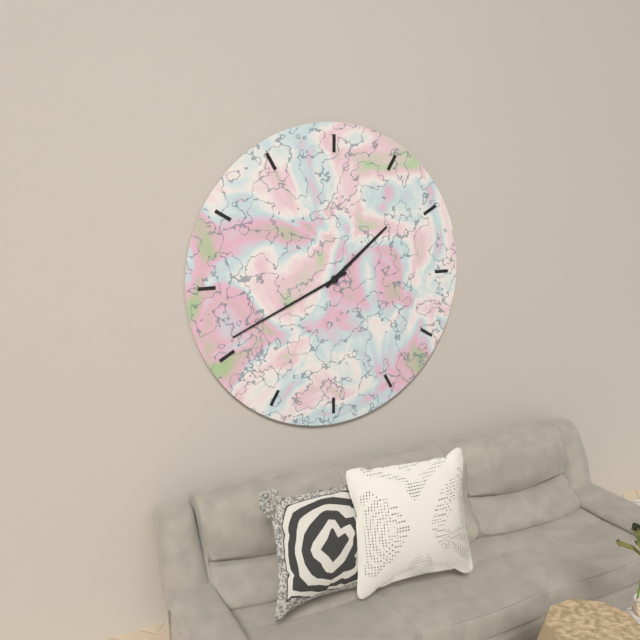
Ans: 1:41
